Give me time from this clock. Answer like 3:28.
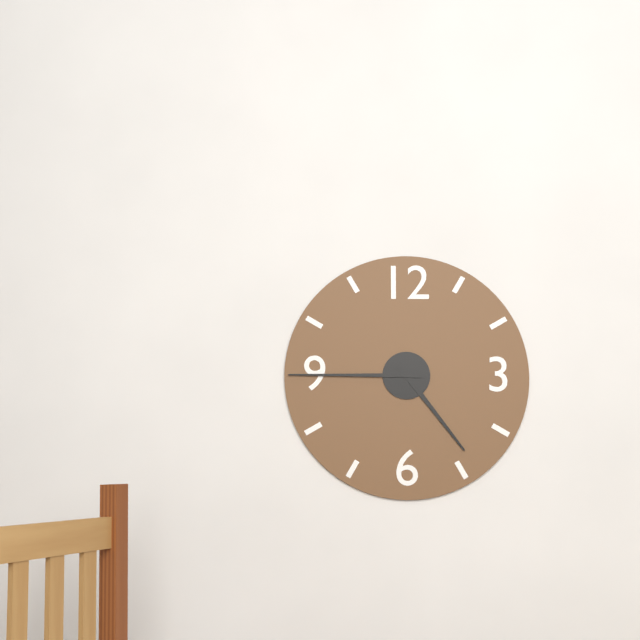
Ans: 4:45
